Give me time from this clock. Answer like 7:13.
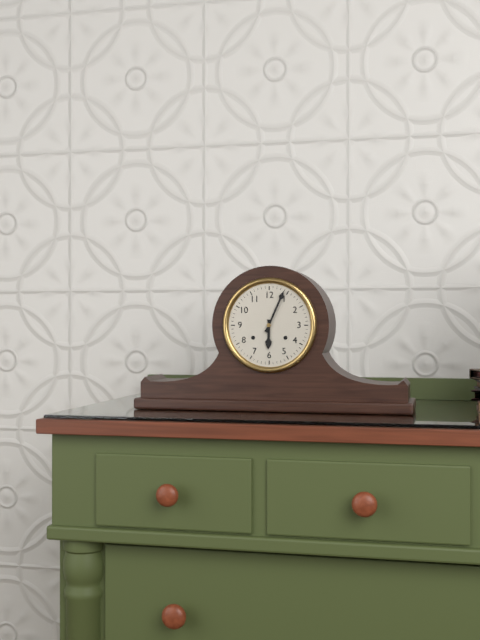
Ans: 6:04
